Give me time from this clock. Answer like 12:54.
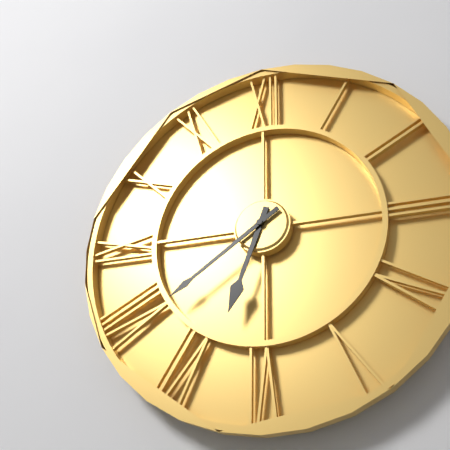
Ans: 6:39
